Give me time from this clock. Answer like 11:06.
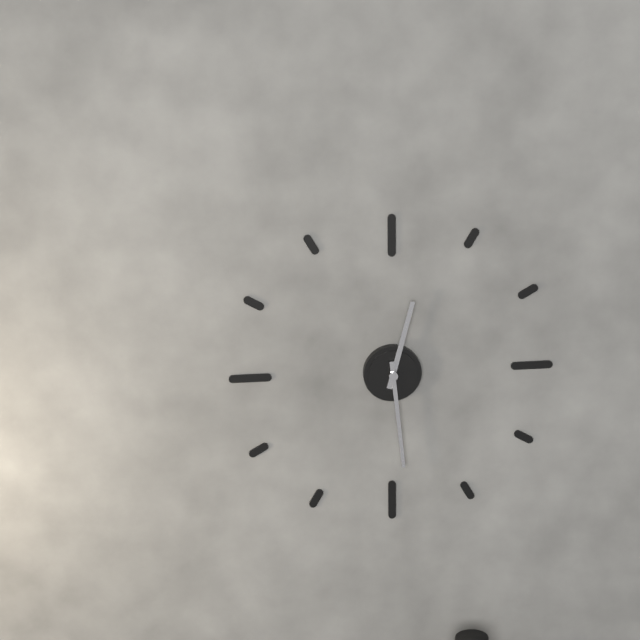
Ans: 12:29
